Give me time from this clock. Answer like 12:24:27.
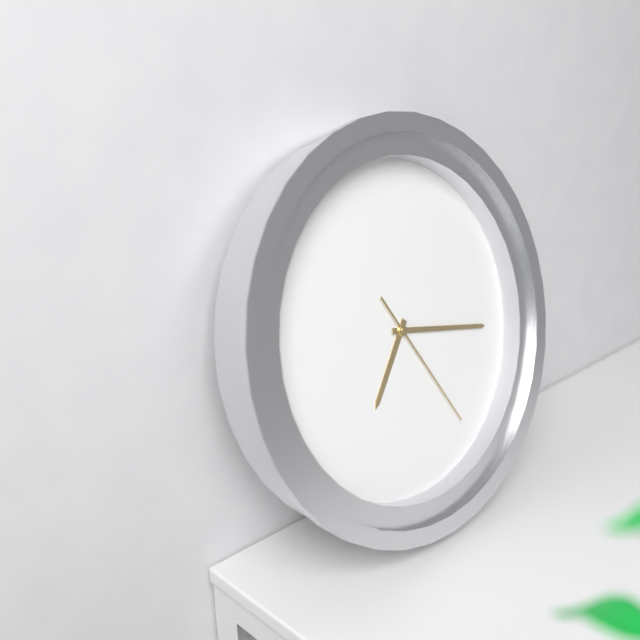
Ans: 7:17:25
